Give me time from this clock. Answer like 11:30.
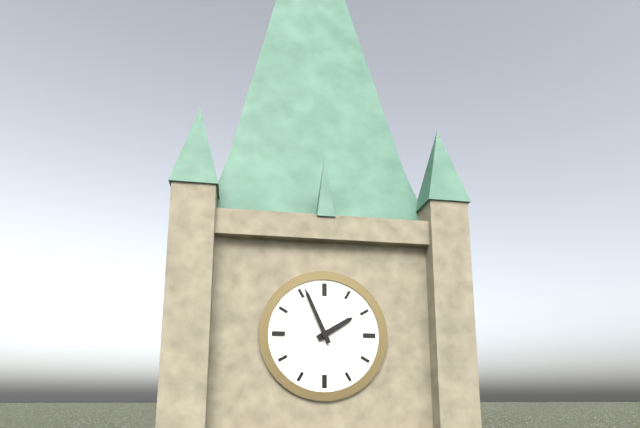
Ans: 1:56
